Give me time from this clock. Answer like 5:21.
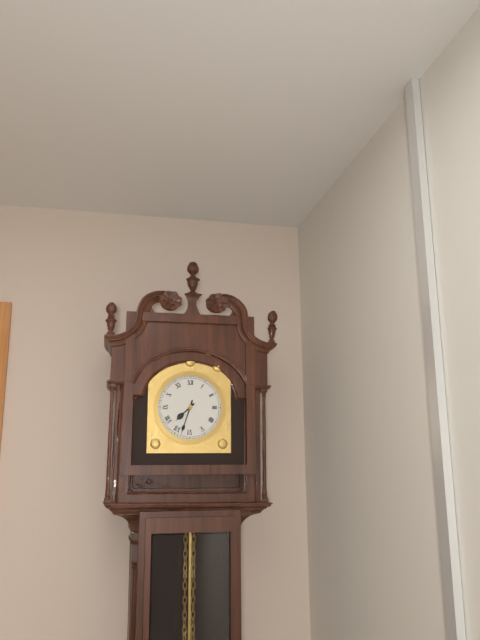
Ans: 7:33
